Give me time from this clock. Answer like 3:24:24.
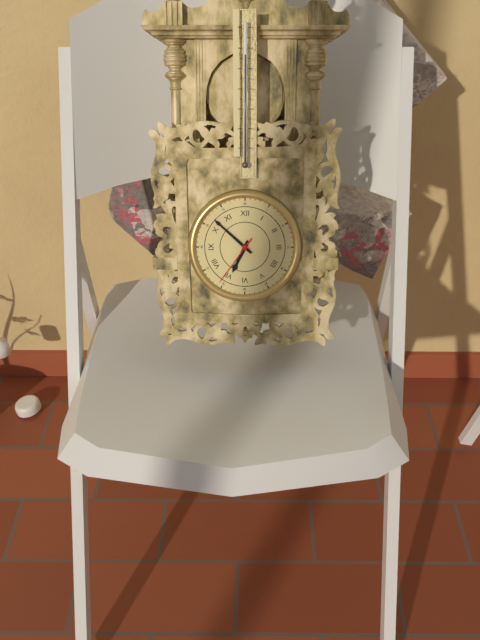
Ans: 6:52:36
